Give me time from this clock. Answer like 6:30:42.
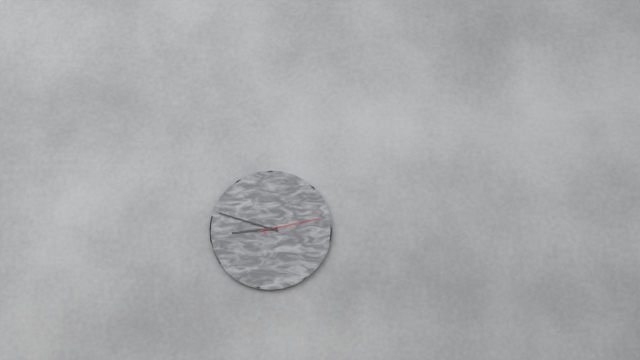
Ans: 8:48:13
